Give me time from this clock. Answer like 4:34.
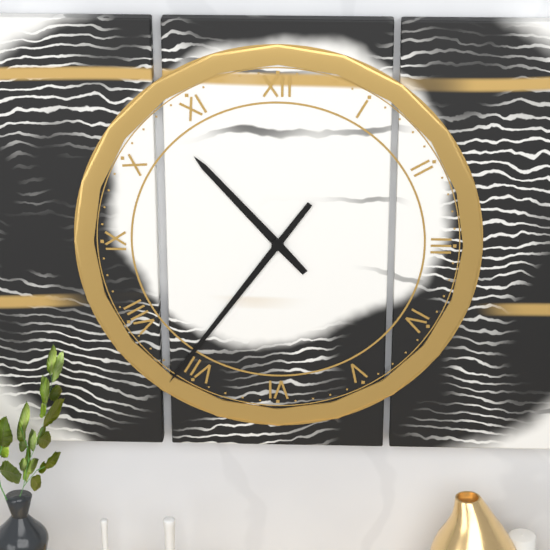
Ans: 10:36
